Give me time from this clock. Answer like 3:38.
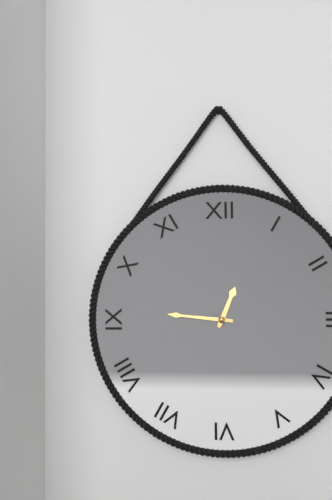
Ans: 12:46
